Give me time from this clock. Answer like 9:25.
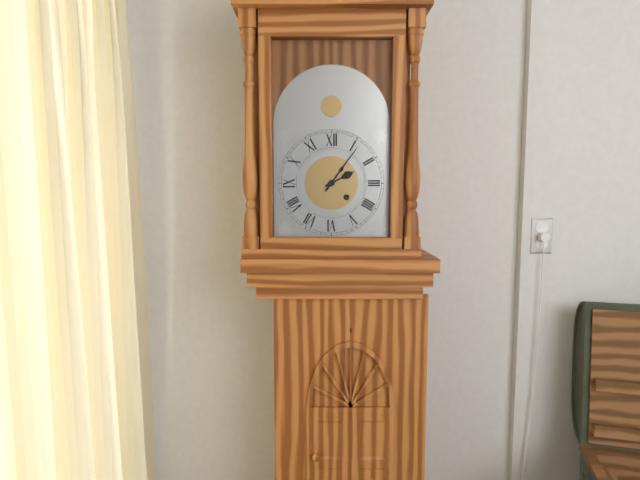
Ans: 2:06
